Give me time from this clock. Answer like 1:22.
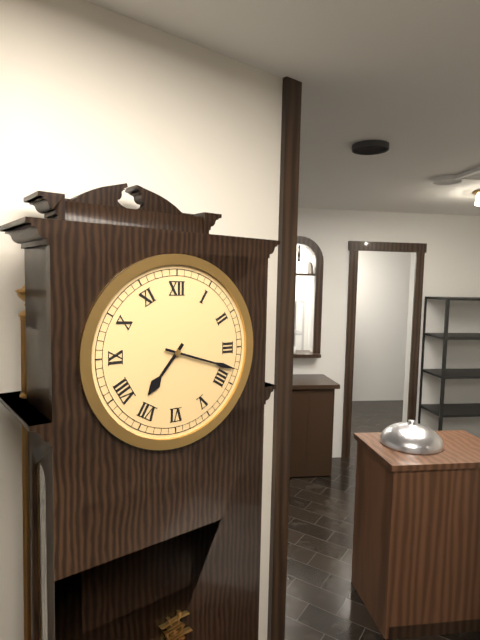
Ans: 7:18
